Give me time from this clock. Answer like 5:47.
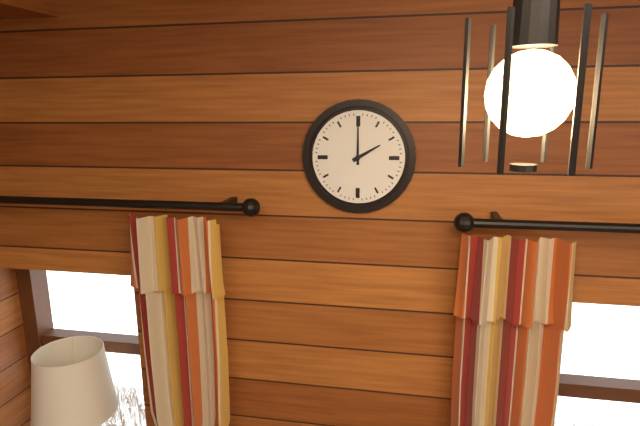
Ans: 2:00
